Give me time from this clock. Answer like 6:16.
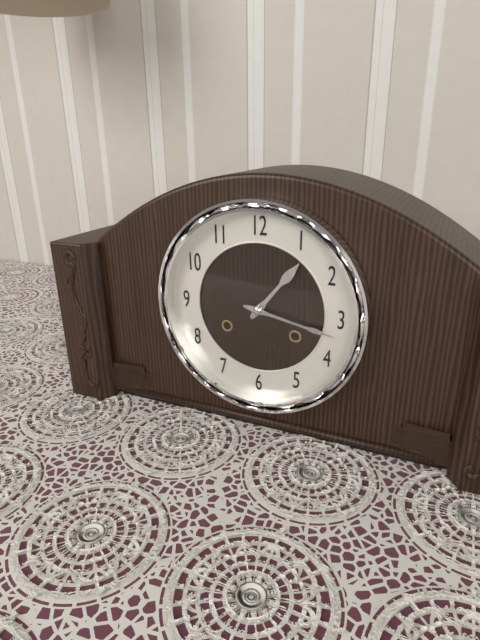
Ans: 1:17
